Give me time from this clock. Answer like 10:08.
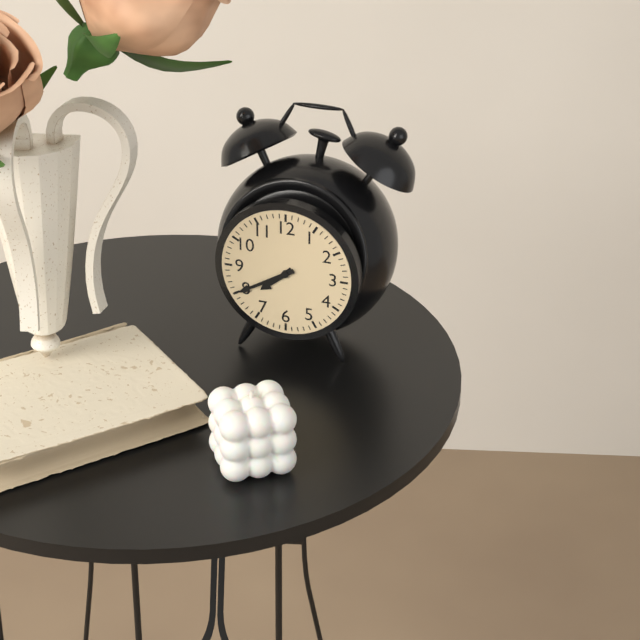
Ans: 7:40
